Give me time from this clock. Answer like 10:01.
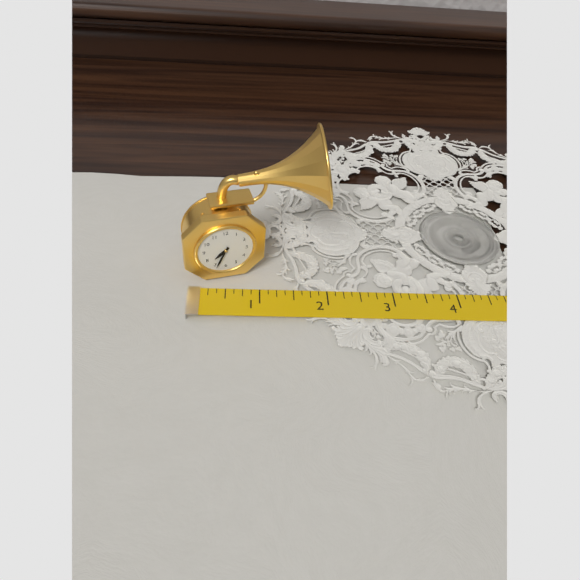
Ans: 7:34
